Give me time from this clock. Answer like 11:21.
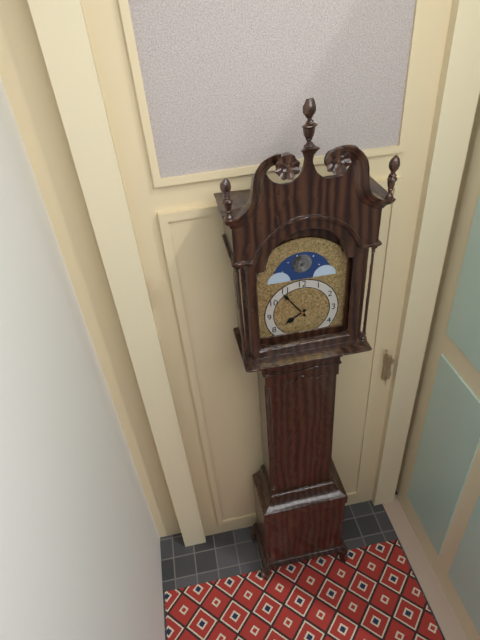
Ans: 7:54
